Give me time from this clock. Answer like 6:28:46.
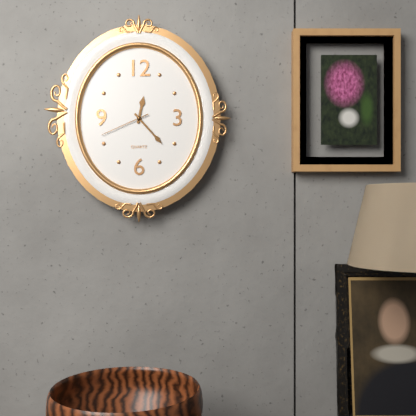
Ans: 12:23:41
